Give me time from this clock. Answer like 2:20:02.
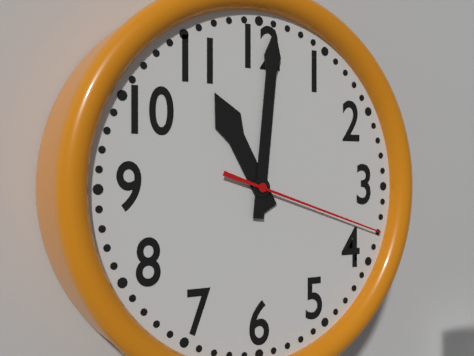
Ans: 11:01:18
